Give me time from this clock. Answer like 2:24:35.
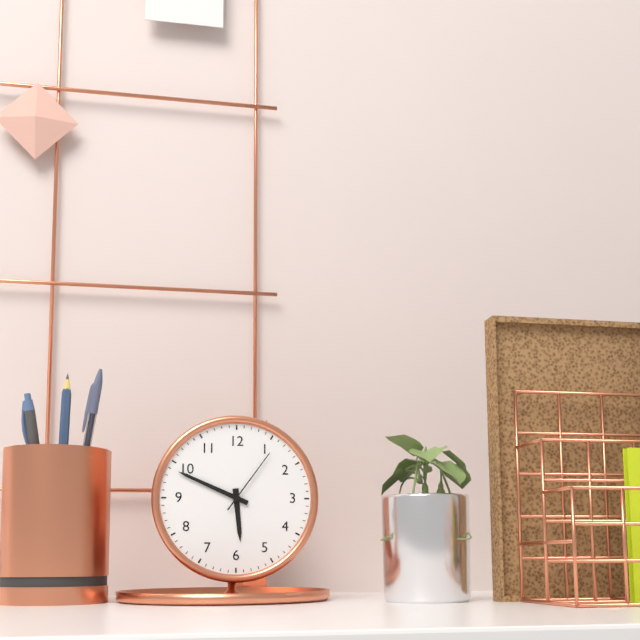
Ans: 5:49:06
